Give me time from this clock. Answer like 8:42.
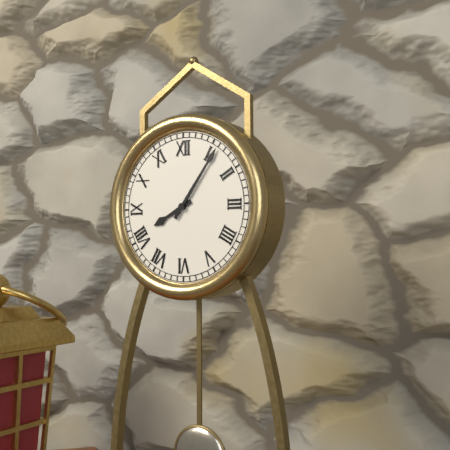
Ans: 8:06
